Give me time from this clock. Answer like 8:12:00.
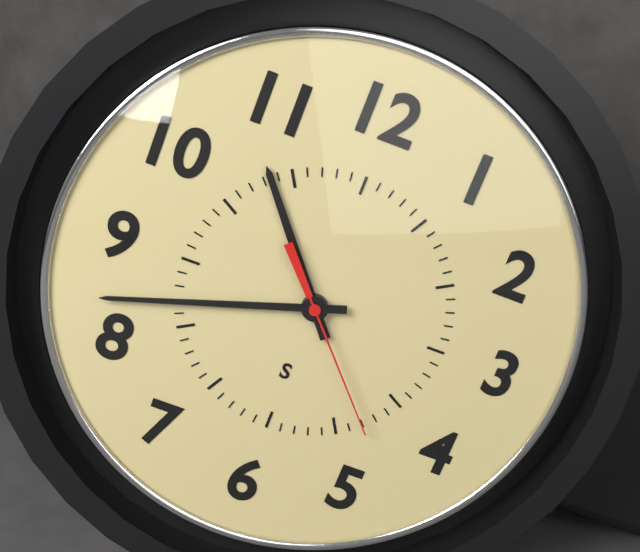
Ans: 10:42:23
